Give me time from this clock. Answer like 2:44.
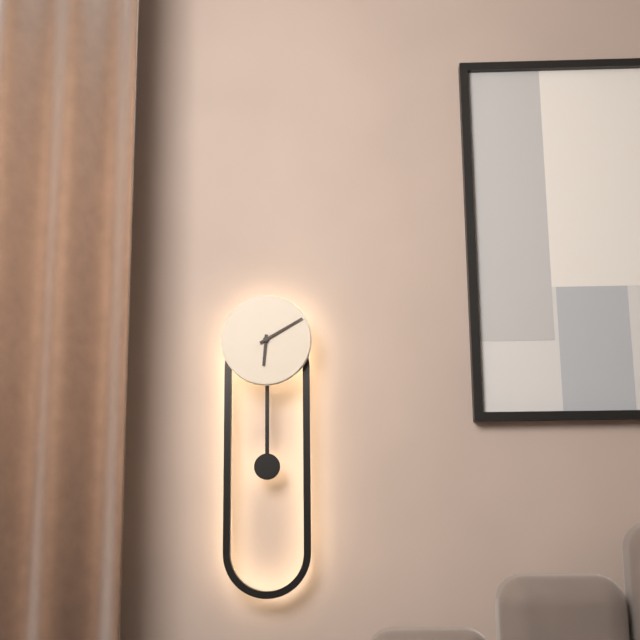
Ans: 6:10
